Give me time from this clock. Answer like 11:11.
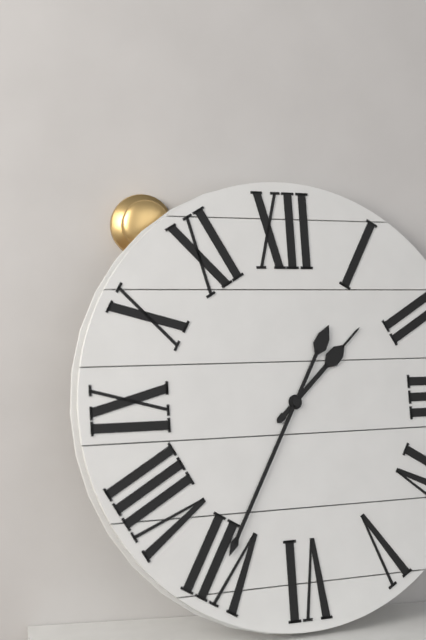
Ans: 1:35
